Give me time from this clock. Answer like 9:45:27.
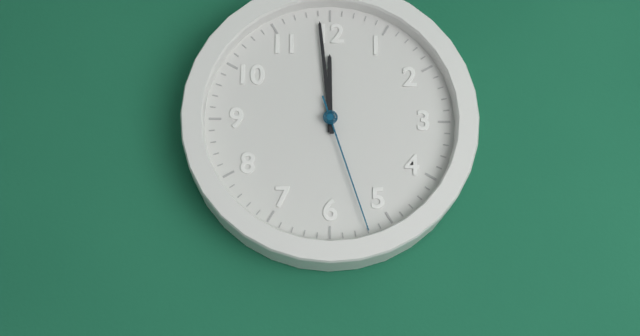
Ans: 11:59:27
